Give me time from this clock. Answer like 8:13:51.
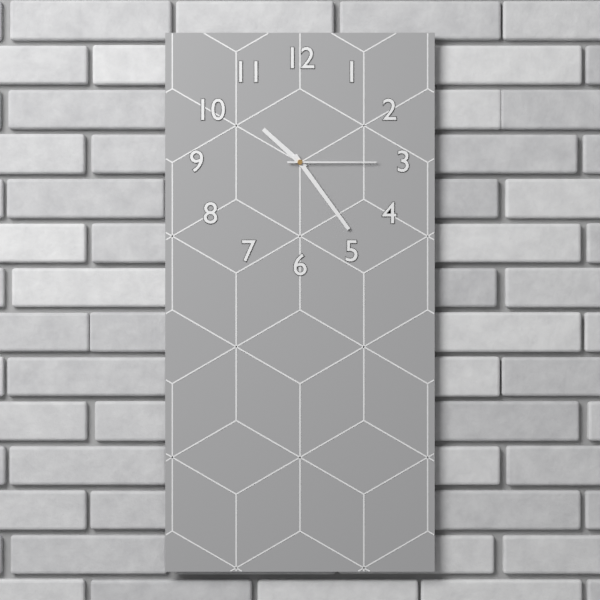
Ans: 10:24:15
